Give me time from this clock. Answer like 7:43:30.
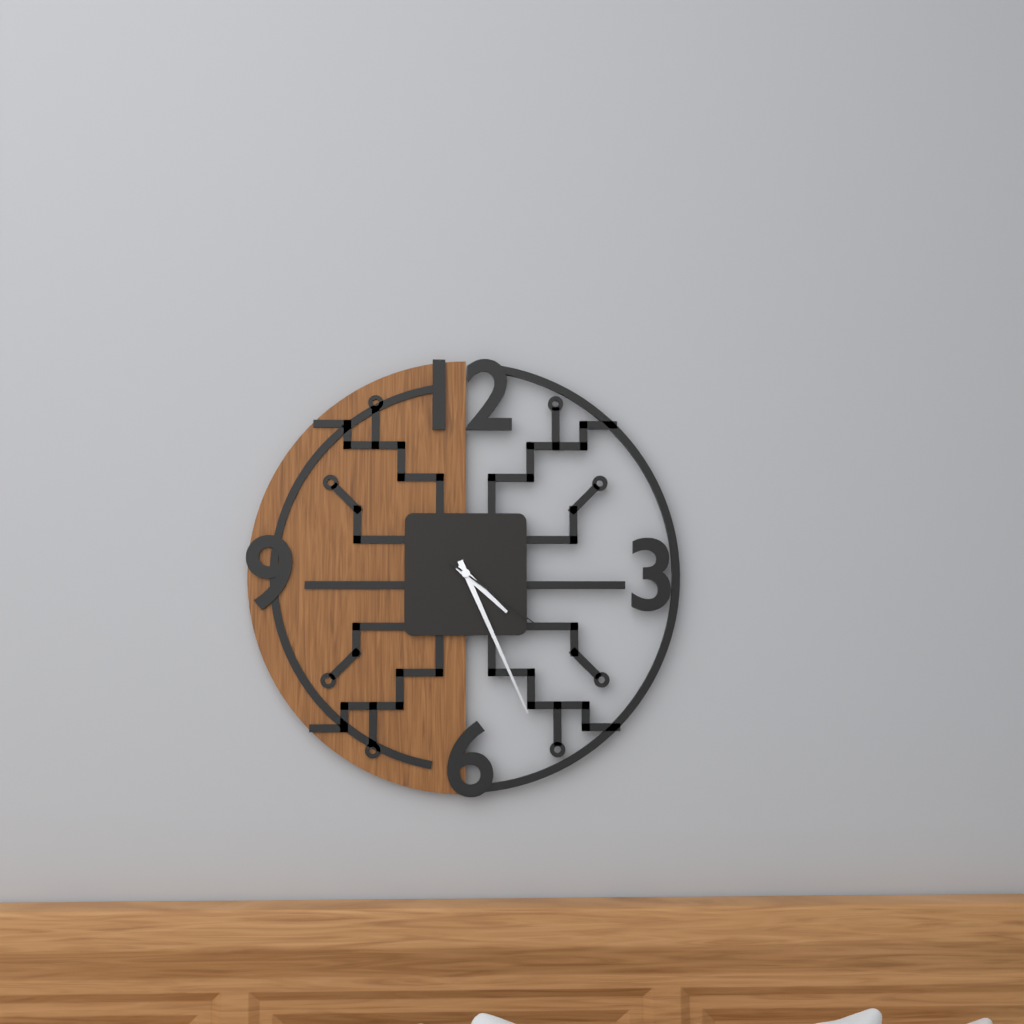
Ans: 4:26:21
